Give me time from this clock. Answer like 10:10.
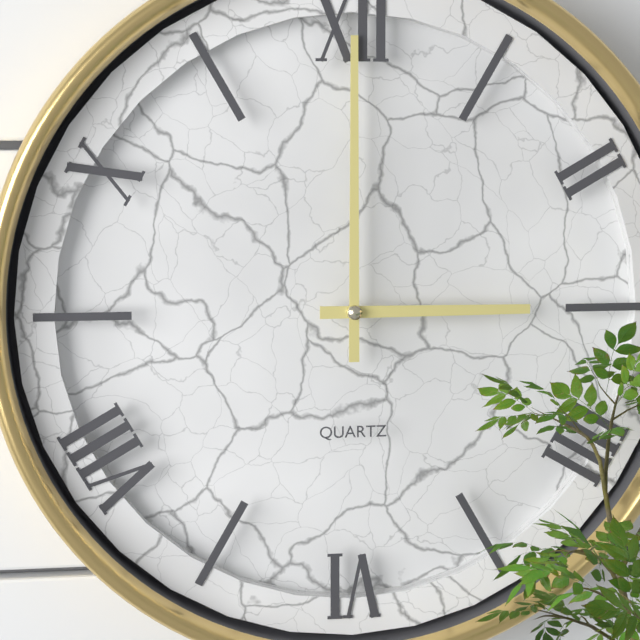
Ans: 3:00
